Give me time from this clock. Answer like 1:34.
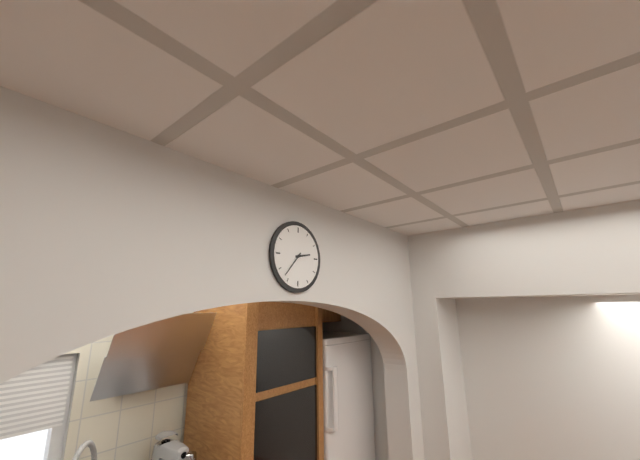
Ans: 2:37
